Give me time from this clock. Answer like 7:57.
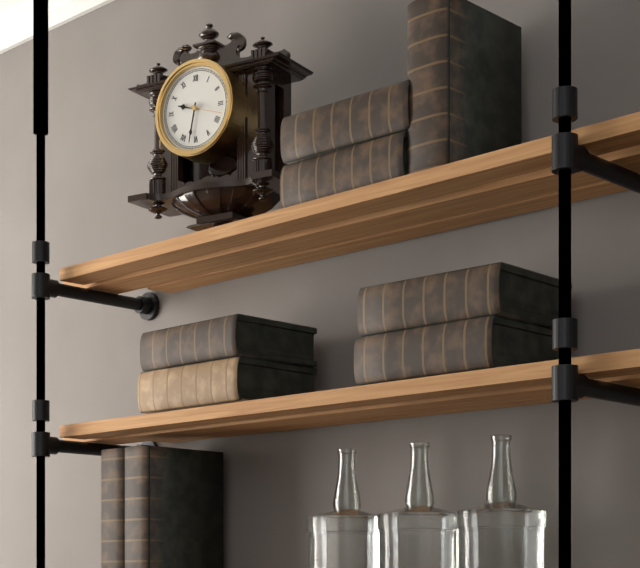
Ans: 9:32
